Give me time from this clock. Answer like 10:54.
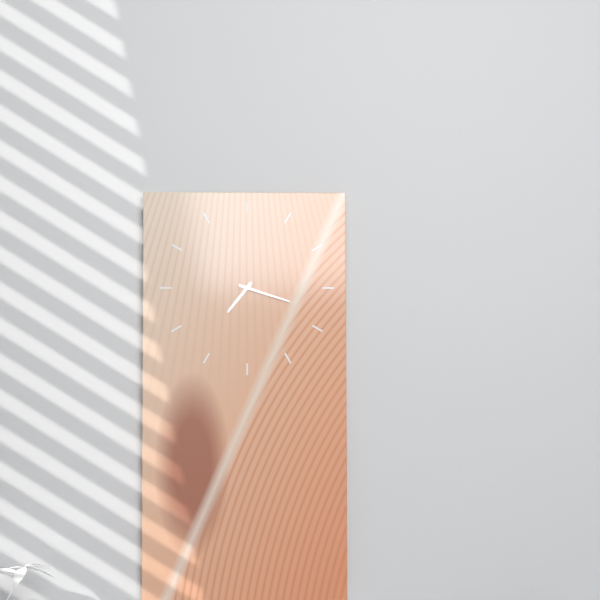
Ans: 7:18
